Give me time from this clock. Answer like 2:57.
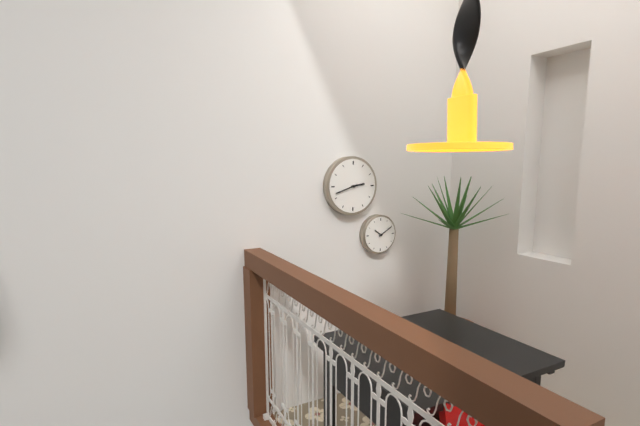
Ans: 2:42
